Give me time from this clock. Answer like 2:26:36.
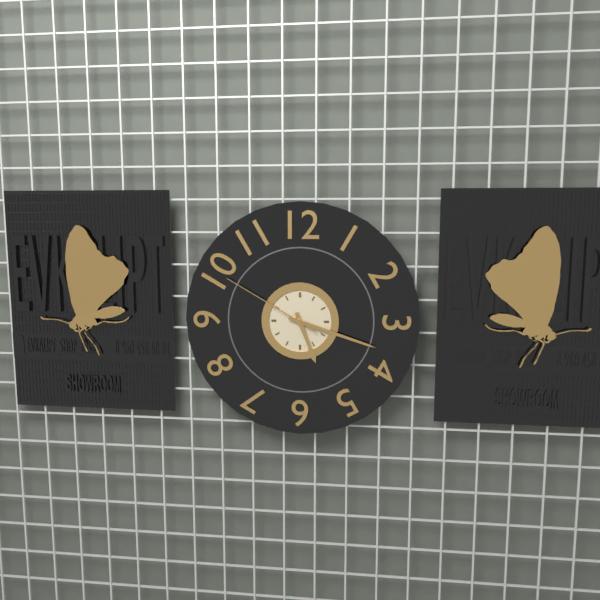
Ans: 5:18:50
